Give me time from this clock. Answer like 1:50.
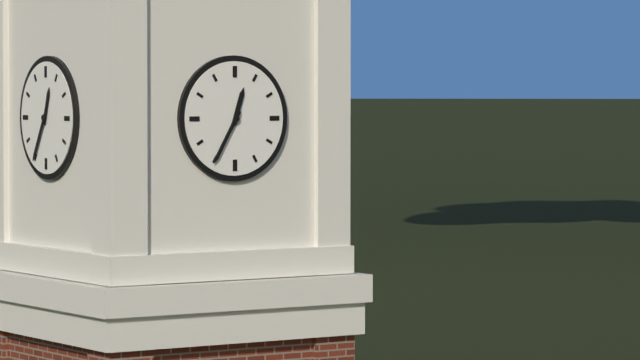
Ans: 12:35
